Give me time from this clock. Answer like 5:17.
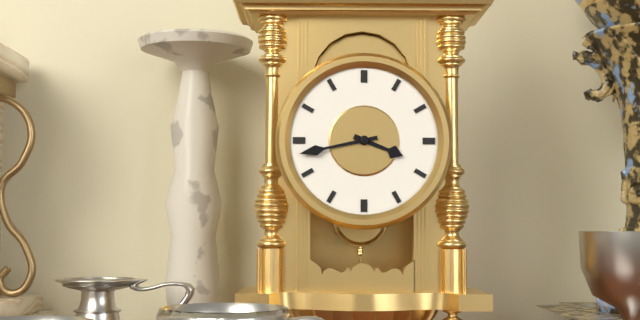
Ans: 3:43
